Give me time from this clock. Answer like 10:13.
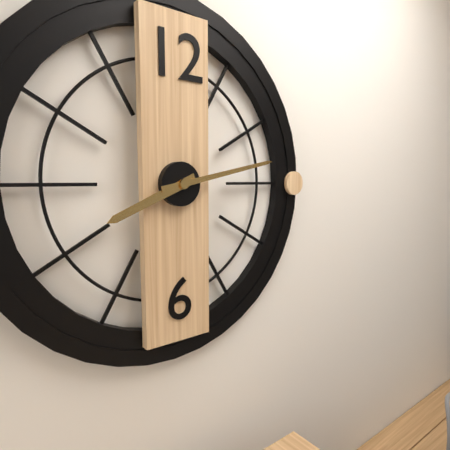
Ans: 8:13
